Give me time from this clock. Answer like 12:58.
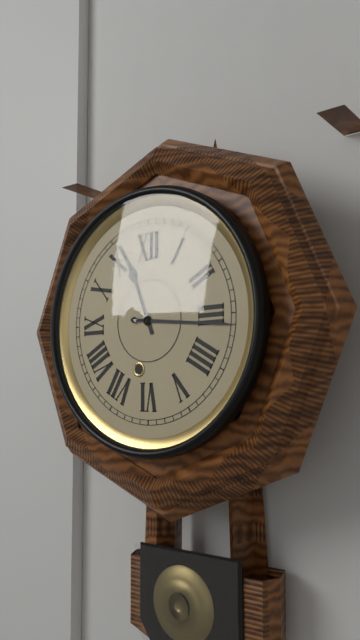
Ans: 11:16
